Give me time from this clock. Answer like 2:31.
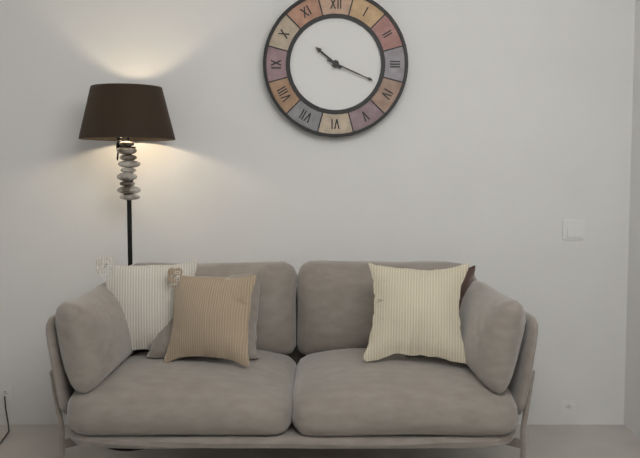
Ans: 10:19
